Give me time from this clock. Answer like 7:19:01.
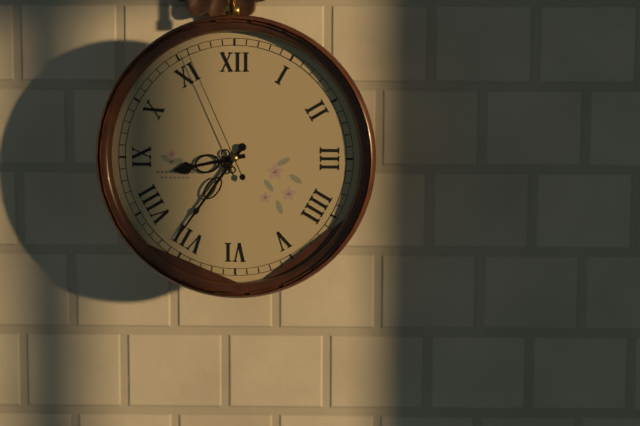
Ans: 8:36:56
